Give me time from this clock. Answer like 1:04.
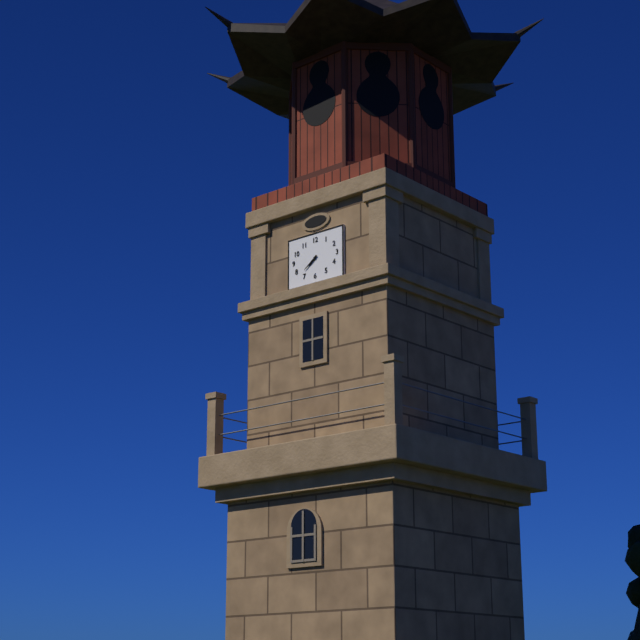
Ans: 7:39
